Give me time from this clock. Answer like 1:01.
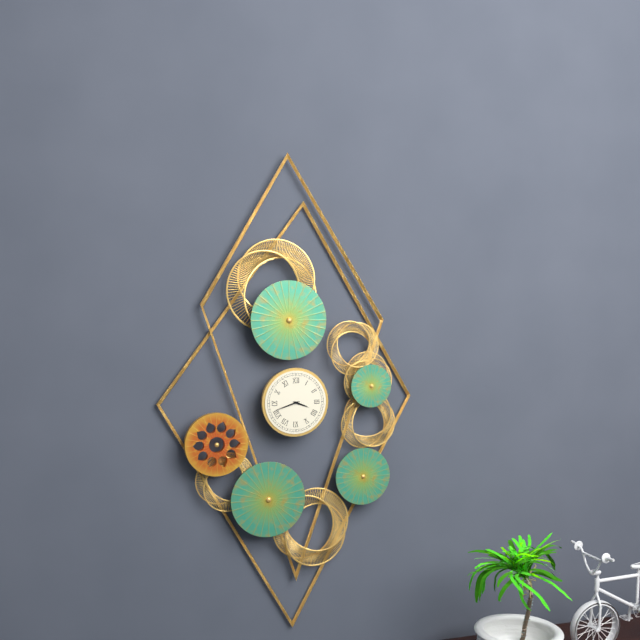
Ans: 3:42
